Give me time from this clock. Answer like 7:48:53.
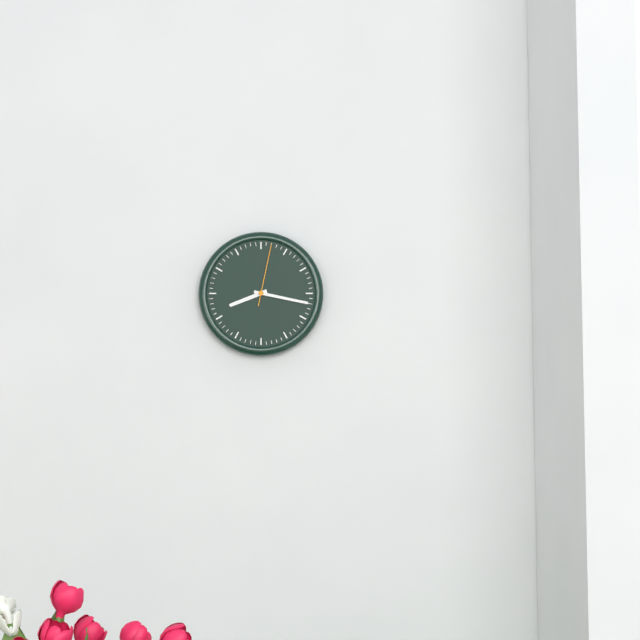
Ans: 8:17:02
